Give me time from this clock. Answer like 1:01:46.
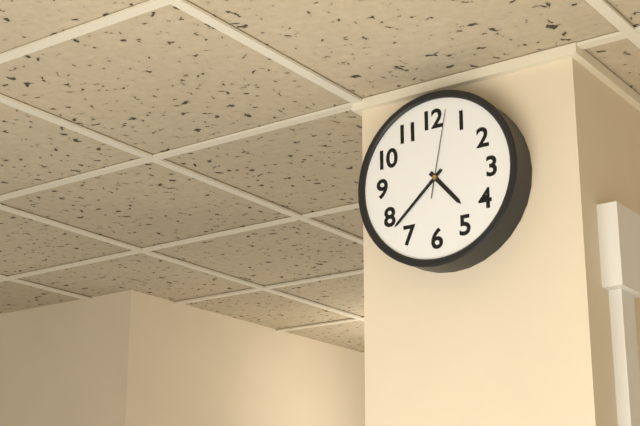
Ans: 4:38:02
